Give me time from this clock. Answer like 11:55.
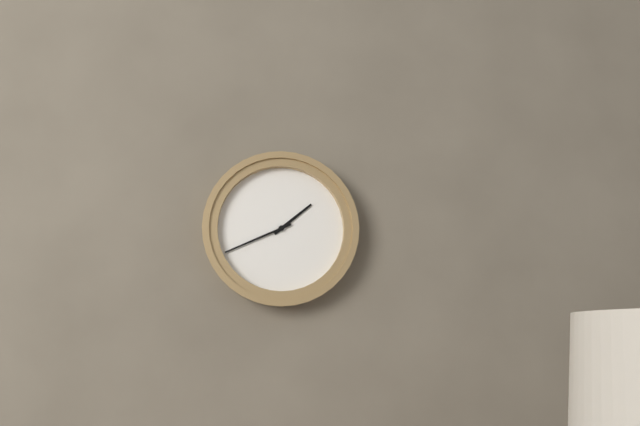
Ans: 1:41
